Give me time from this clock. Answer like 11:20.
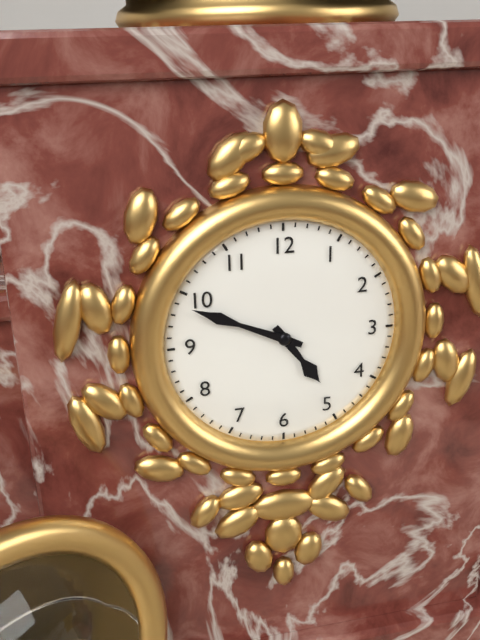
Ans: 4:49
